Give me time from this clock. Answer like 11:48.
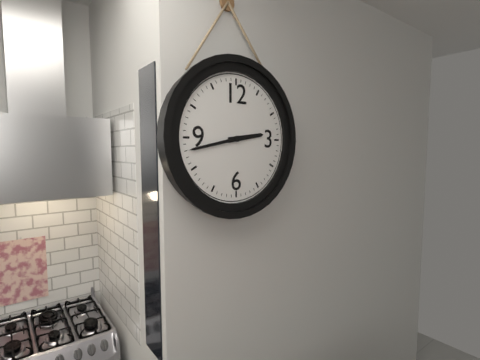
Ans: 2:43
